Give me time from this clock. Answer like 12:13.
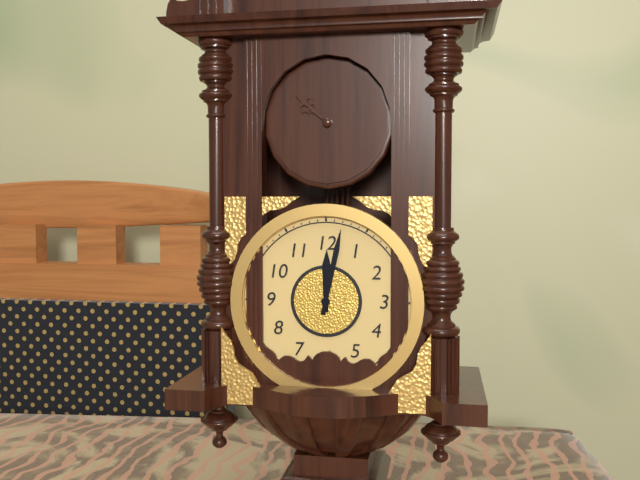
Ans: 12:02
